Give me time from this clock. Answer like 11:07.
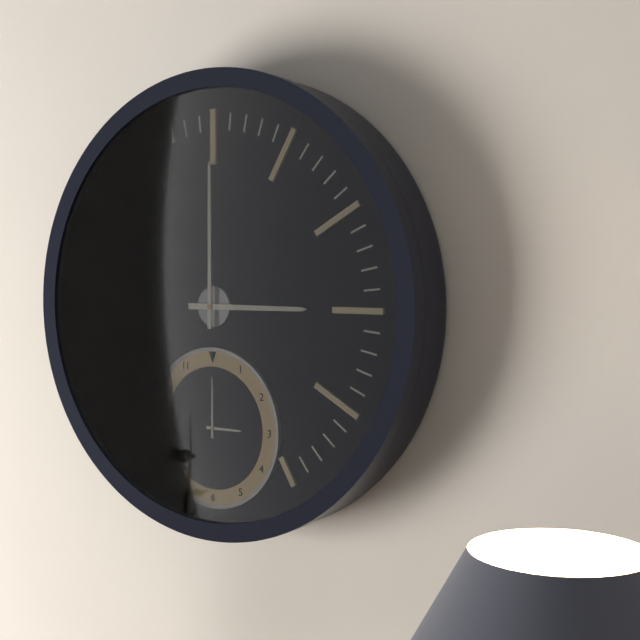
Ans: 3:00
